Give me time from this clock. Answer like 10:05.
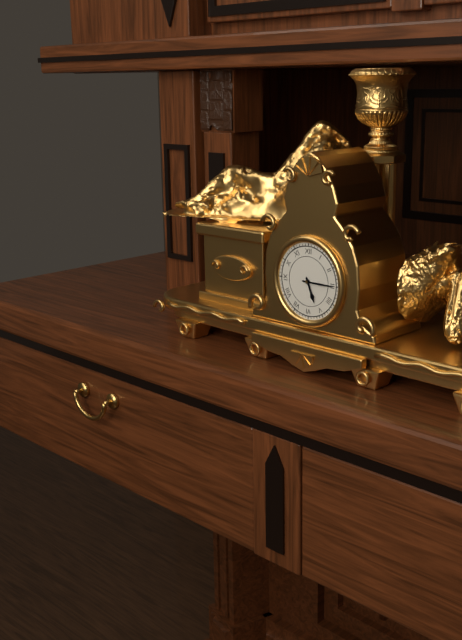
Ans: 5:15
